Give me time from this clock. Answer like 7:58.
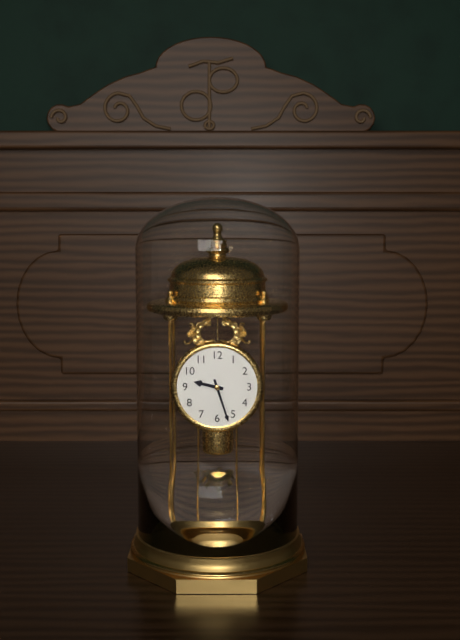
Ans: 9:27
